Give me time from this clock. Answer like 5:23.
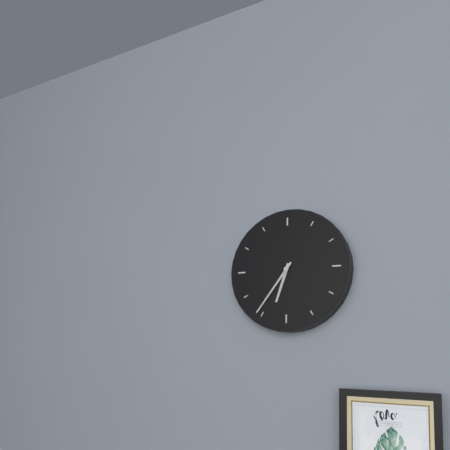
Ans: 6:36
